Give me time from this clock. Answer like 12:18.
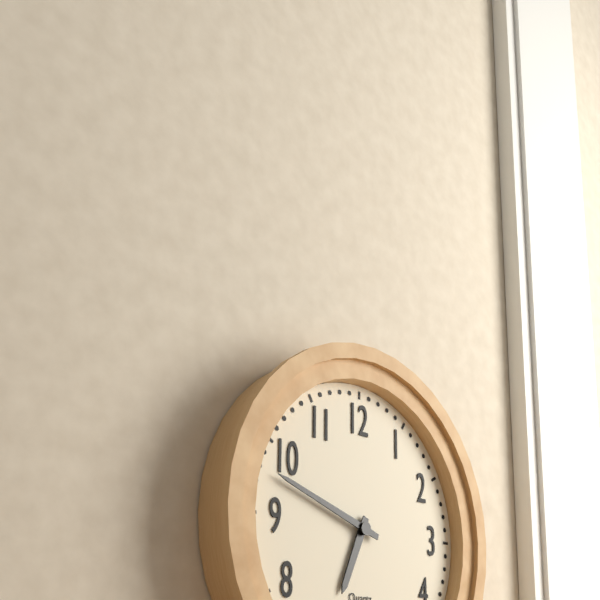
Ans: 6:48
